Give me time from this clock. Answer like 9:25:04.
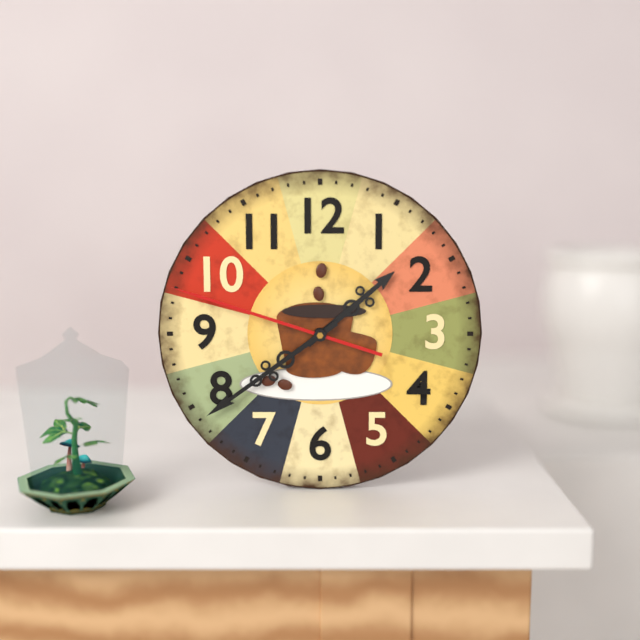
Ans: 1:39:48
